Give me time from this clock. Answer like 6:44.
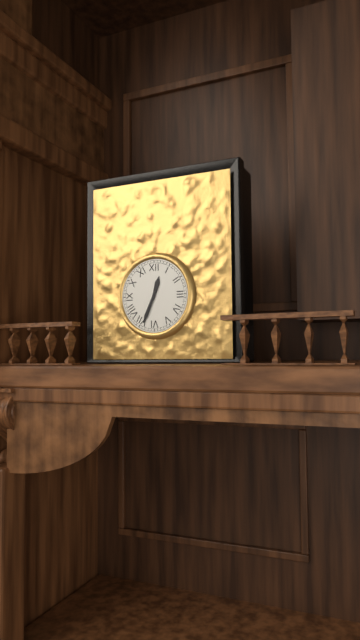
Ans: 12:34
